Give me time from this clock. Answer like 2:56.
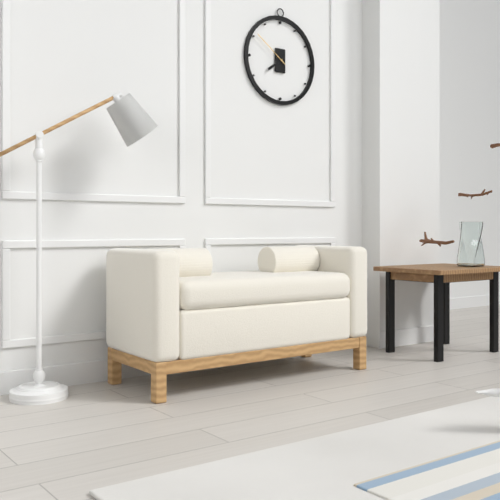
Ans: 7:51
